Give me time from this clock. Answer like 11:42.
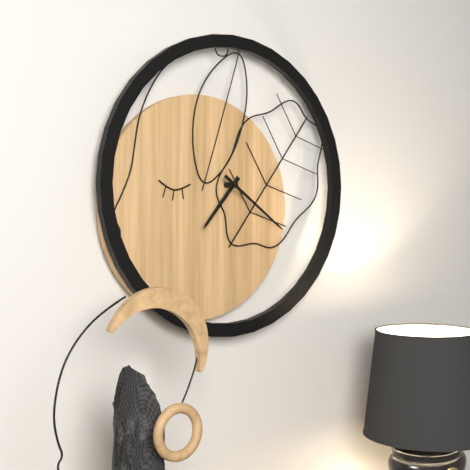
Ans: 7:21
